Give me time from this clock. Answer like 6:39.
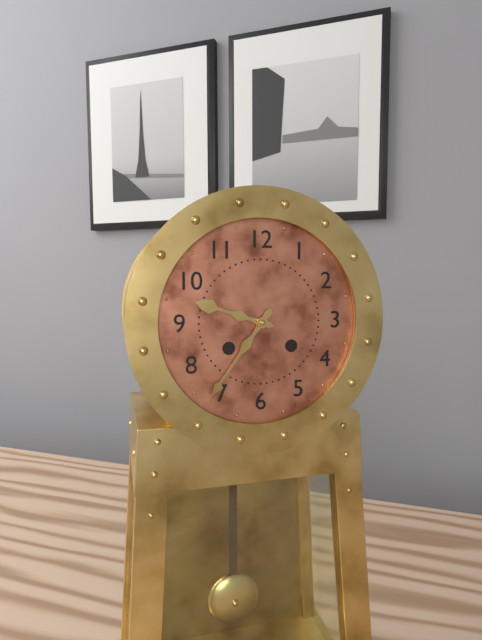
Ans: 9:36
